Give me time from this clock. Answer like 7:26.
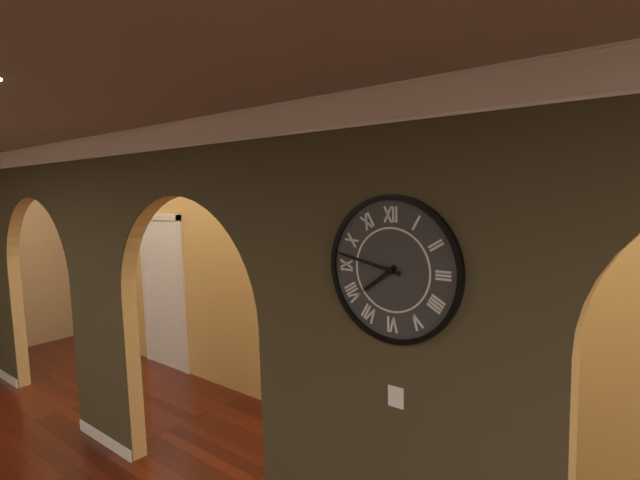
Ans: 7:47
